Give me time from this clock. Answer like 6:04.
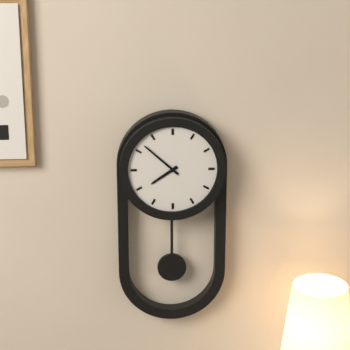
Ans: 7:52
